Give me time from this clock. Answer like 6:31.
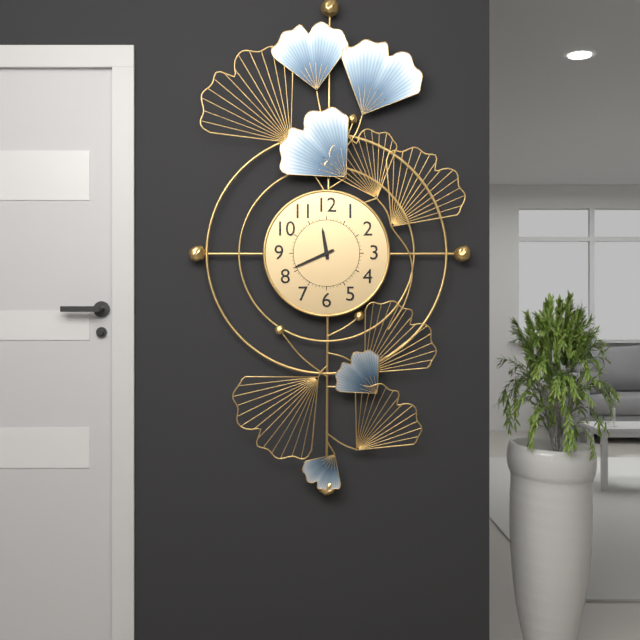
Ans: 11:41
